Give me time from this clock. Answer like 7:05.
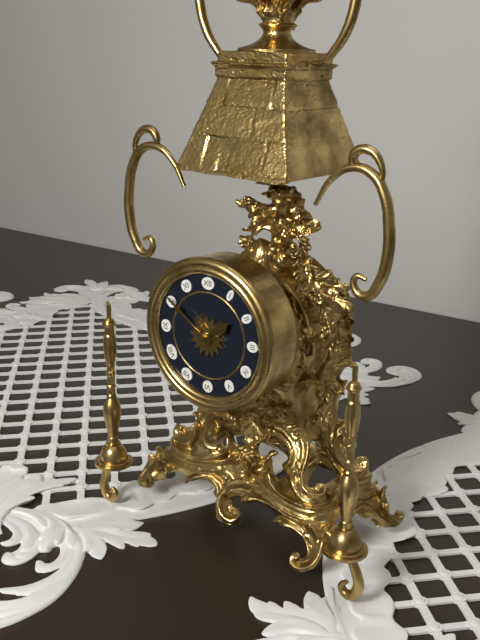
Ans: 1:51
